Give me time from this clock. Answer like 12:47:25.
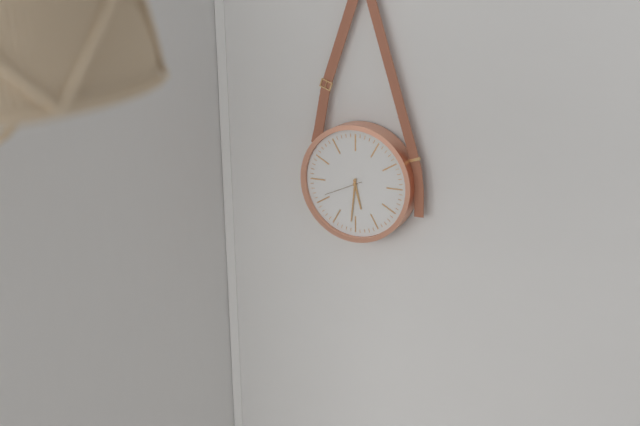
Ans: 5:31:41
